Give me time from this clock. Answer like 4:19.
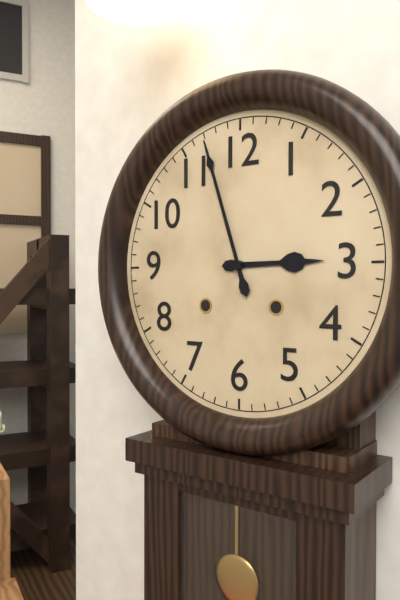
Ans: 2:57
